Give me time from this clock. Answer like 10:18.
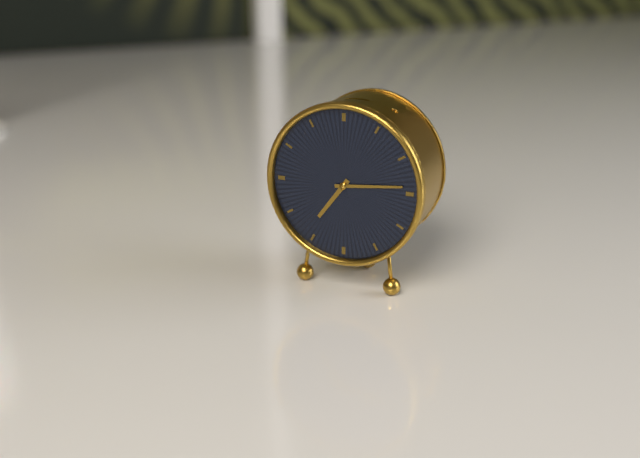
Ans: 7:14
